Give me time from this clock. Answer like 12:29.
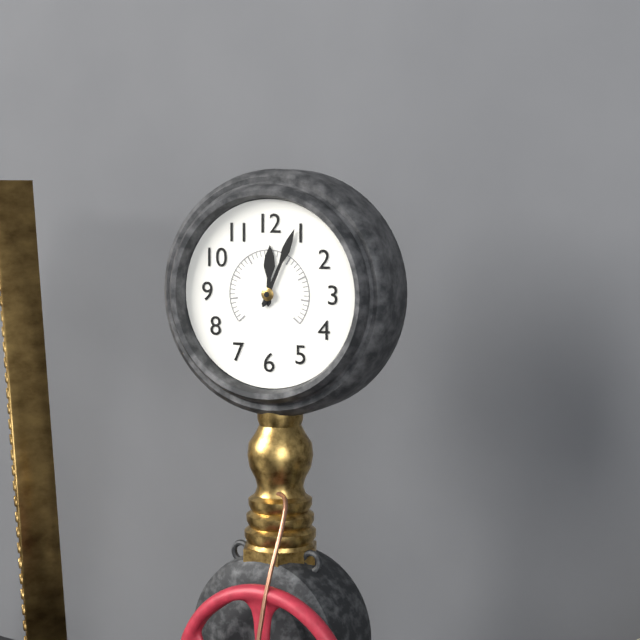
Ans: 12:04
